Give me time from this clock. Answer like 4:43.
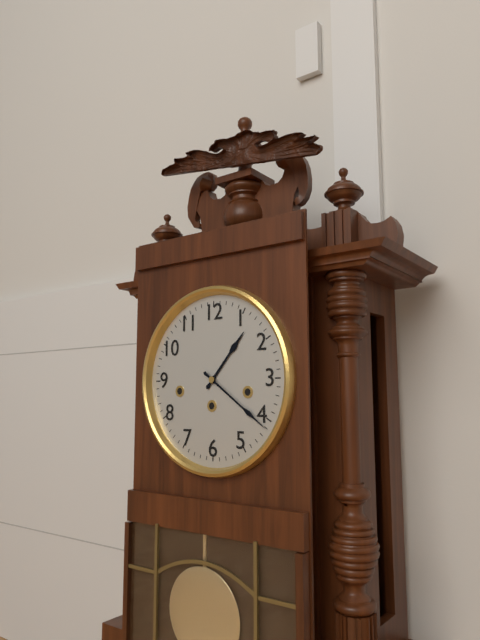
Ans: 1:21
